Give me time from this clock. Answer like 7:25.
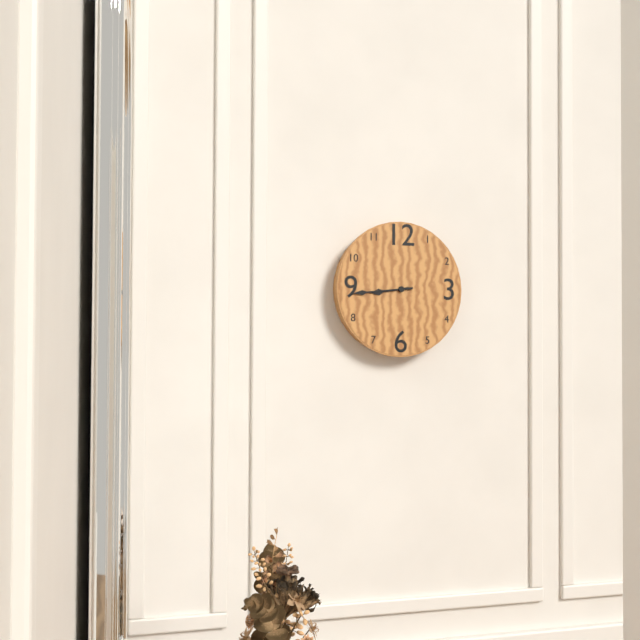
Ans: 8:44
